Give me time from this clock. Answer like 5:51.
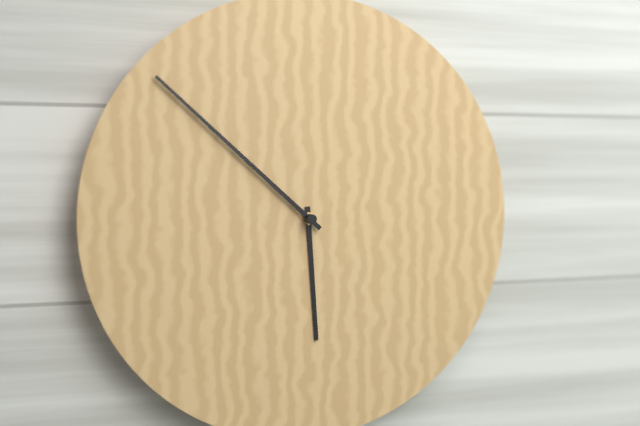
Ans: 5:52
